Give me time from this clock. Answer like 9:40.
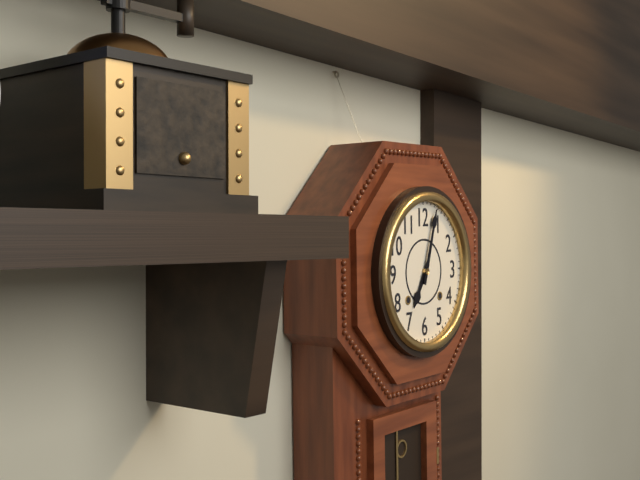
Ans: 7:03
